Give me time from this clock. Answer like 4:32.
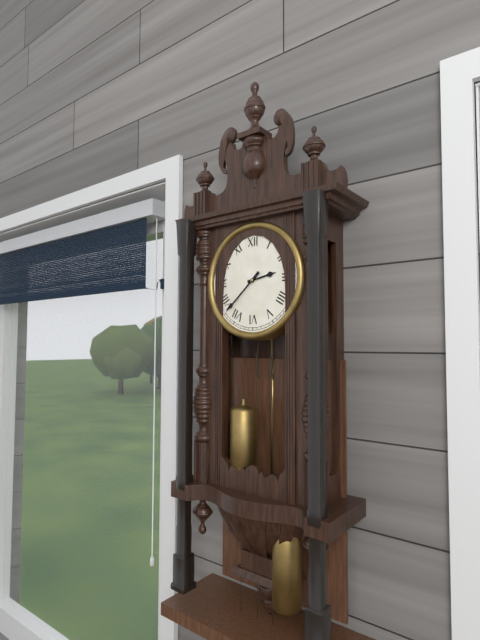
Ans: 2:38
